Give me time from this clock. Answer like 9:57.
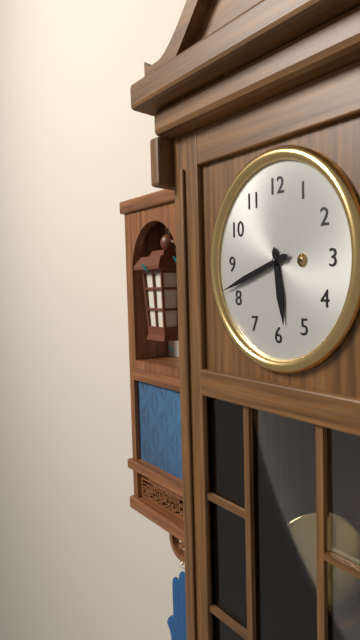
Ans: 5:42
